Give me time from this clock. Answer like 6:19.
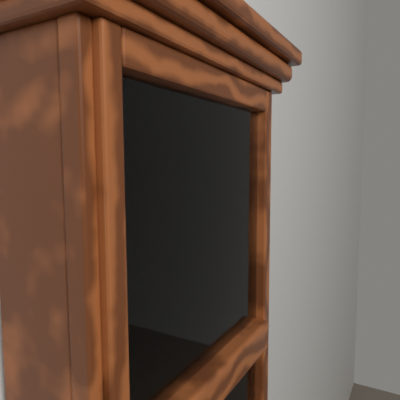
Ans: 8:55
